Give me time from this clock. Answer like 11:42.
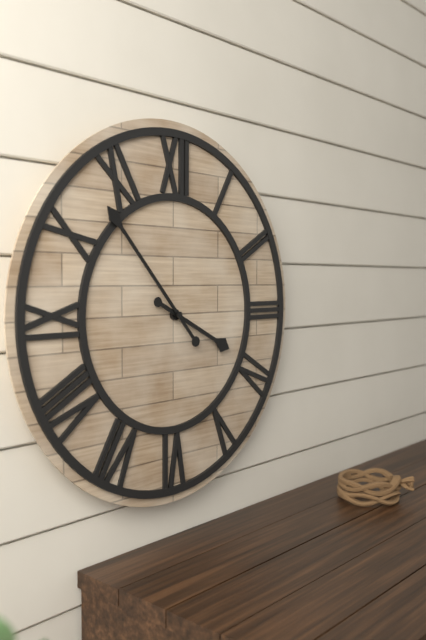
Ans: 3:53
